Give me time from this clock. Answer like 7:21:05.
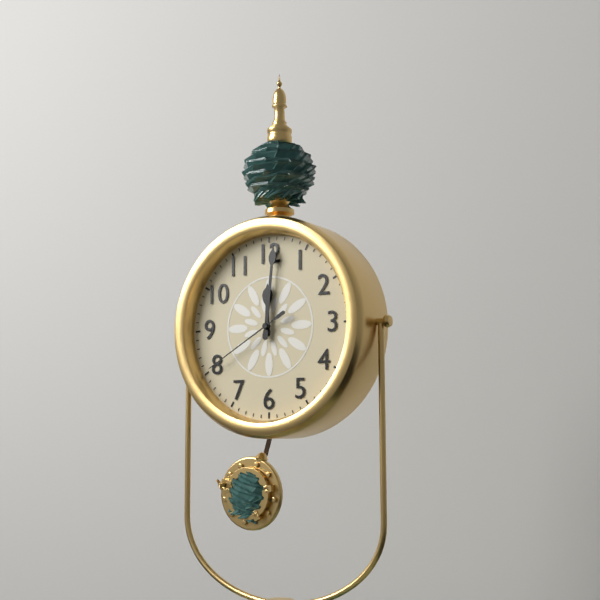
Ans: 12:01:40
